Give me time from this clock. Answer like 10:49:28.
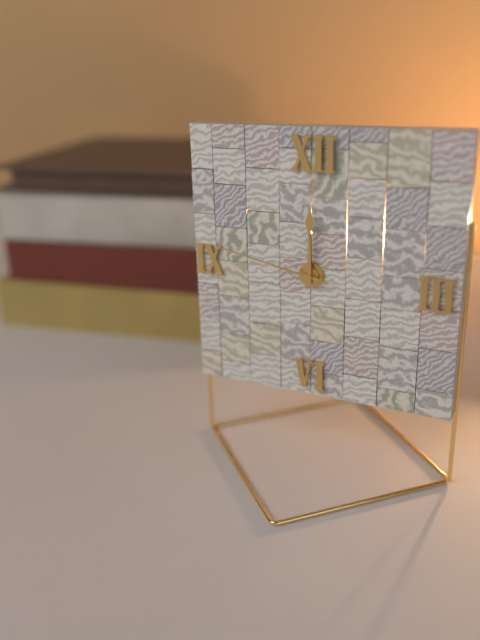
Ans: 12:00:47
